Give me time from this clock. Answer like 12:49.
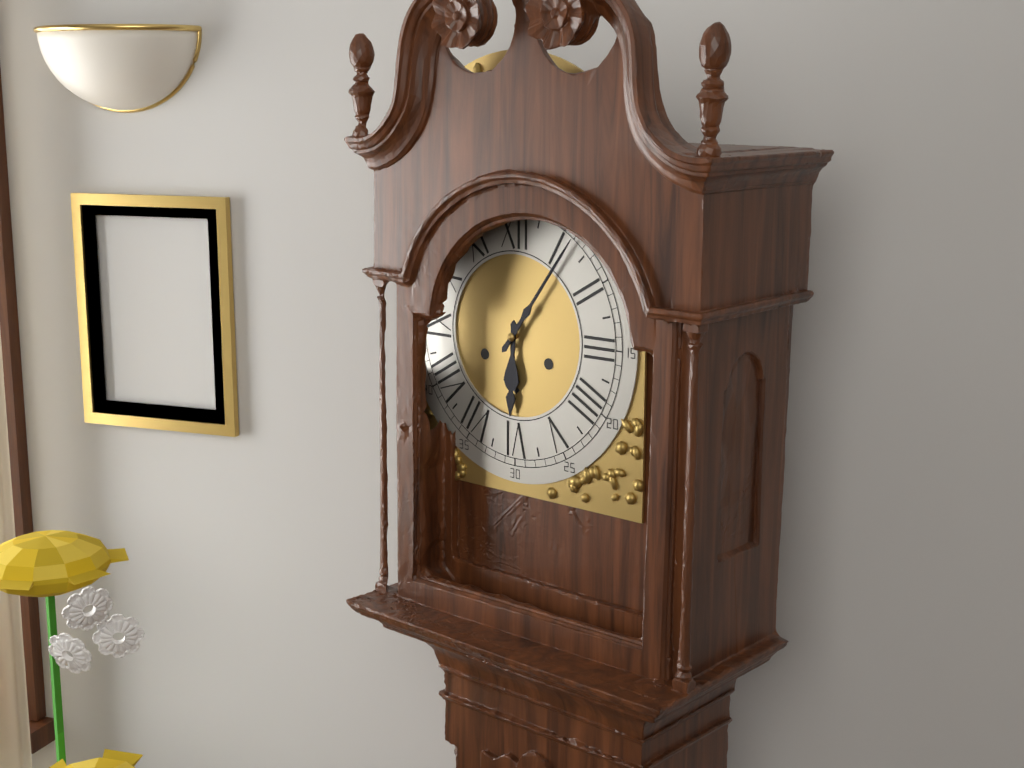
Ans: 6:06
